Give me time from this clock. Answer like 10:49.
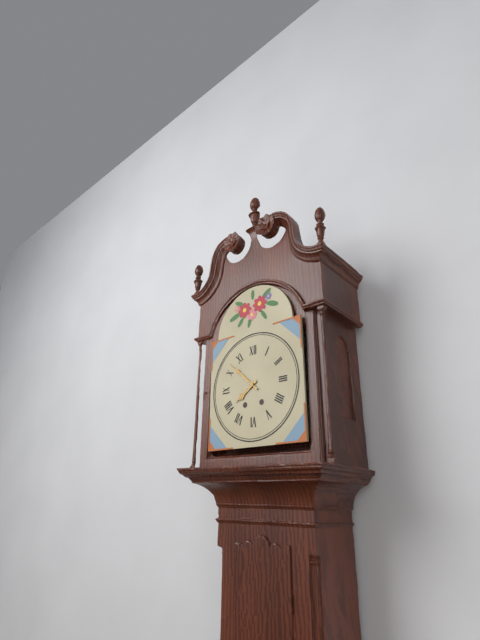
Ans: 7:52
